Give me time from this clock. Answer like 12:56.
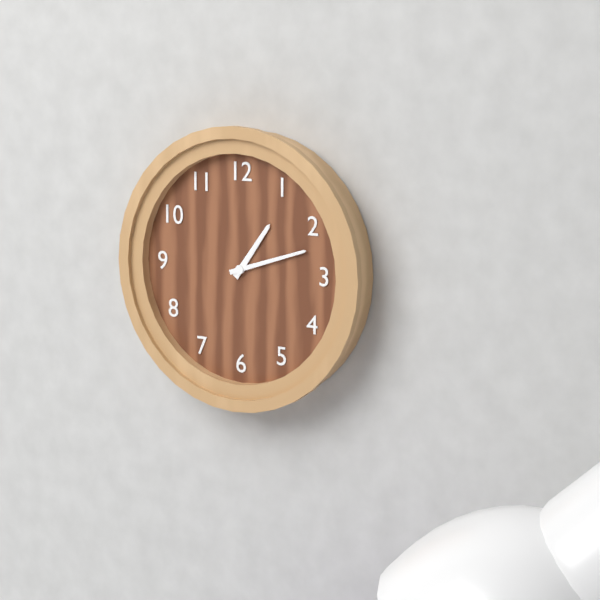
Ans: 1:12
